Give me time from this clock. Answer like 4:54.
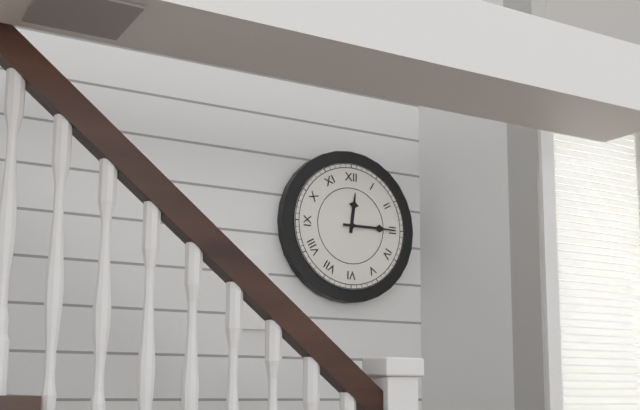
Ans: 12:15
